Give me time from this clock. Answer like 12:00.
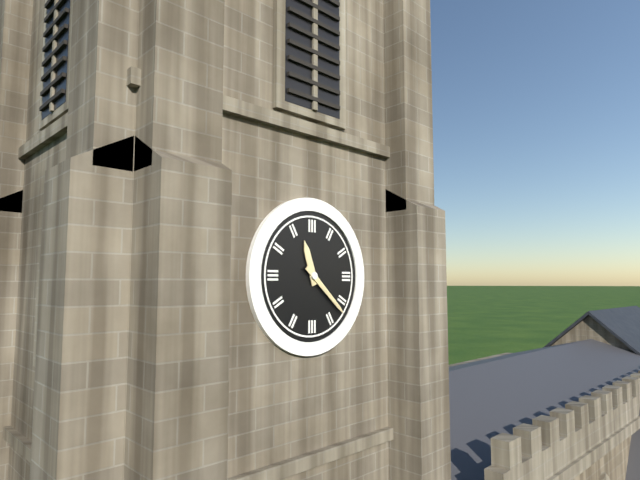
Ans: 11:22
